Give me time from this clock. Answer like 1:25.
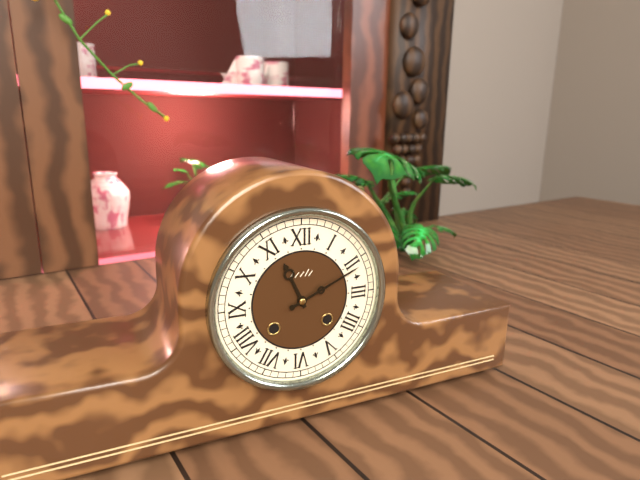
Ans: 11:11
